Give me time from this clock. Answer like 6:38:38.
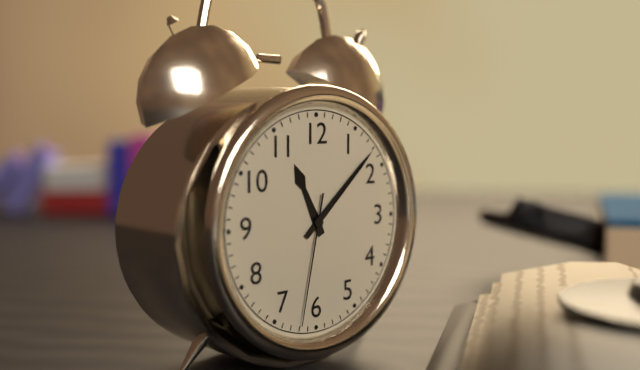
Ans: 11:08:32
